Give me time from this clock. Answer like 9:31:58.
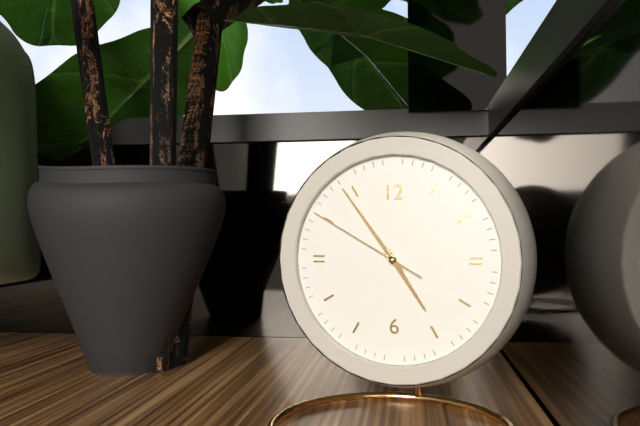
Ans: 4:54:50
